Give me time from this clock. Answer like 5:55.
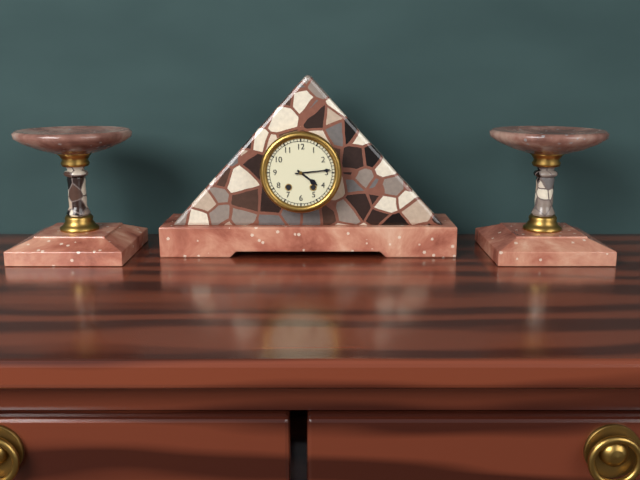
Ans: 4:14
